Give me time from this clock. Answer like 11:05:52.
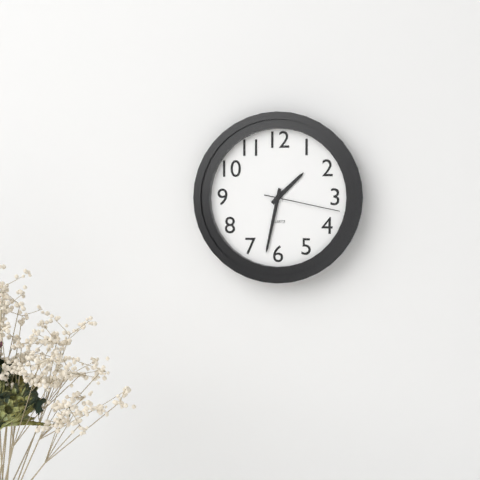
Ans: 1:32:17
